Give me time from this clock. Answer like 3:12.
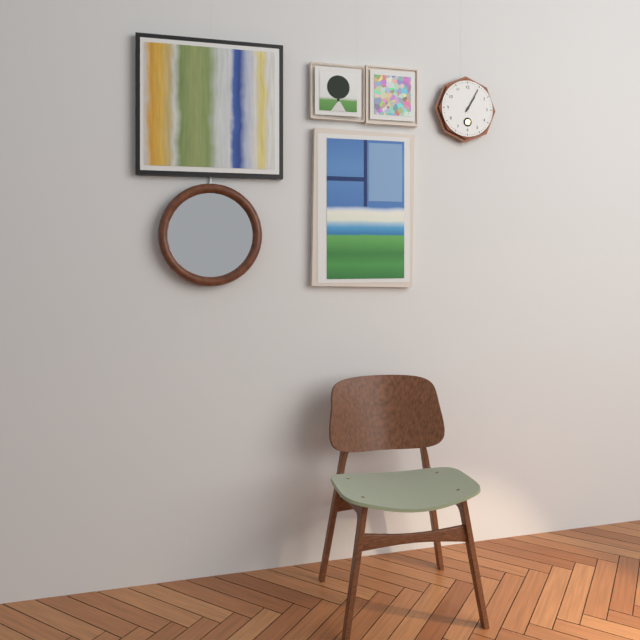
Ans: 1:05
